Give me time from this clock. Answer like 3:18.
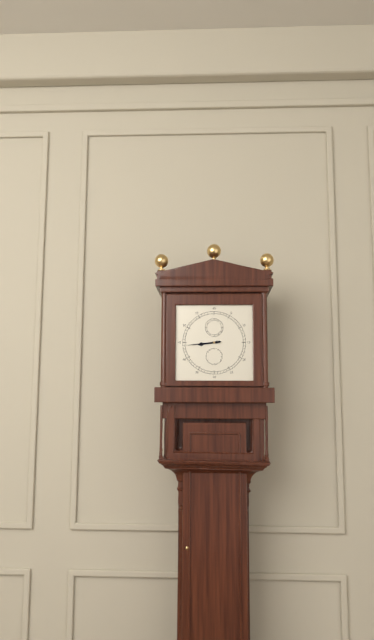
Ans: 8:44
